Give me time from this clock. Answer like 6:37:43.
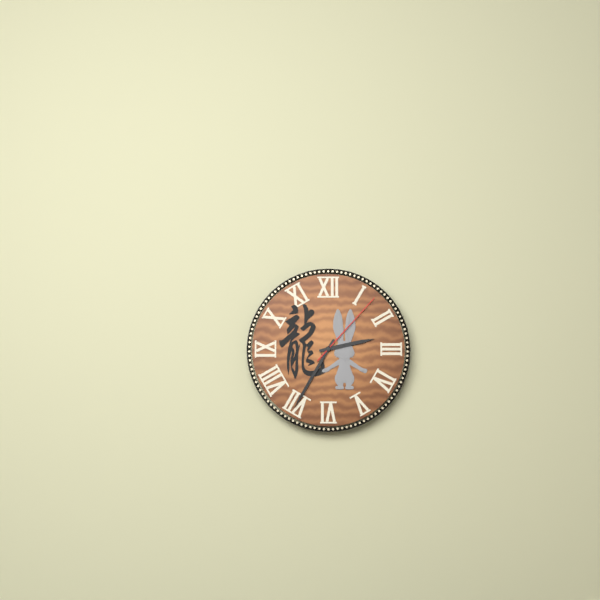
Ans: 2:35:07
